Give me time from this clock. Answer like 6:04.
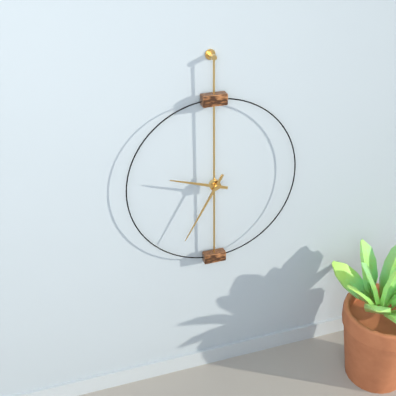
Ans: 9:35
